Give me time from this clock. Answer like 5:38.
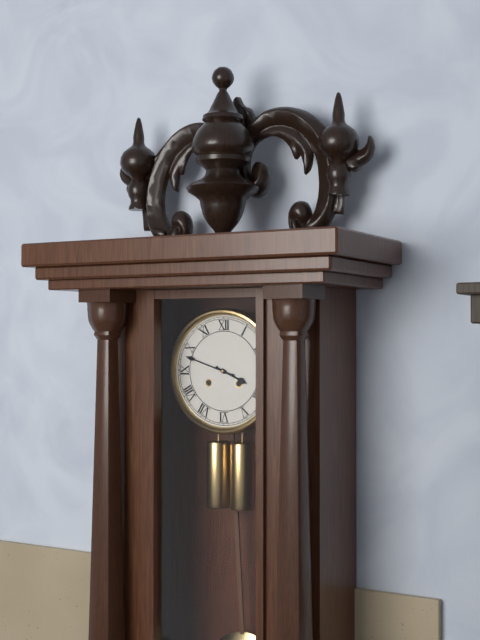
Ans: 3:48
